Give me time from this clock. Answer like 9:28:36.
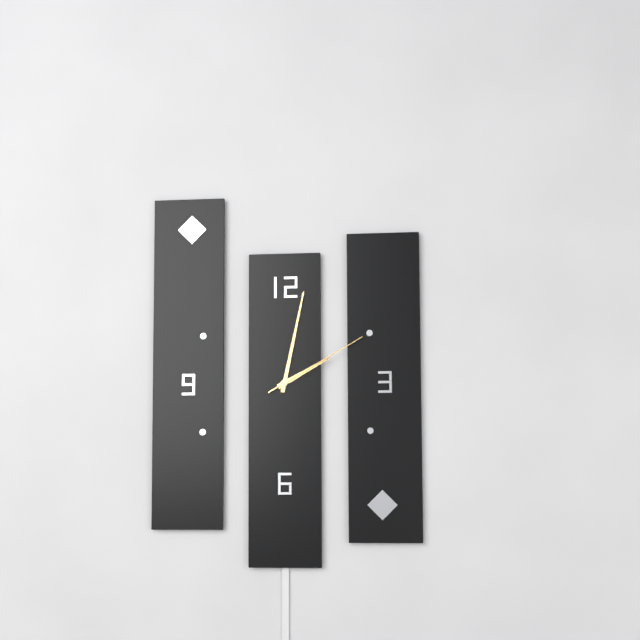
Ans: 2:02:10
